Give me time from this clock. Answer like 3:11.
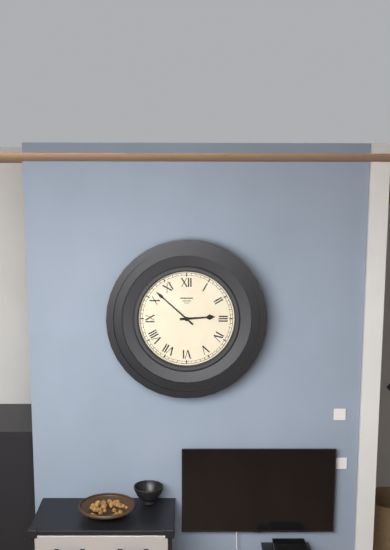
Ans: 2:52
